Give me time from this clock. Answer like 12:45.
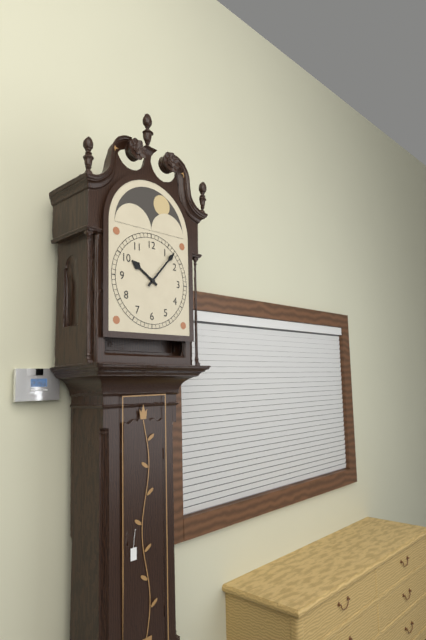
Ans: 10:07
